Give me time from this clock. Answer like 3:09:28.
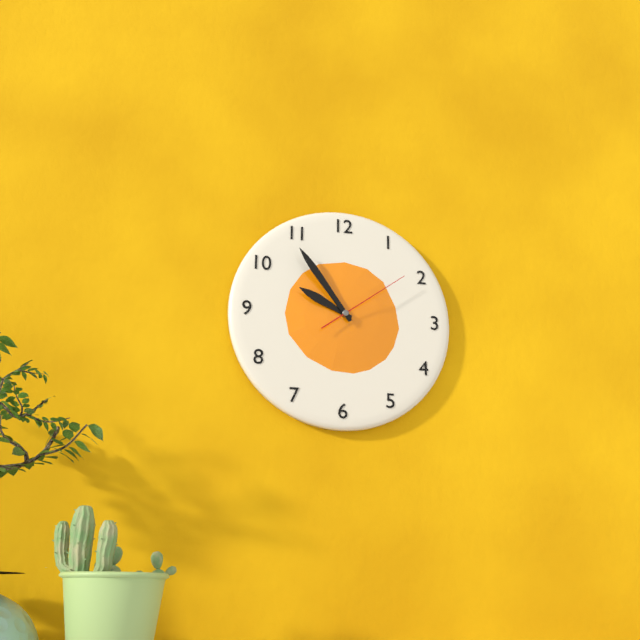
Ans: 9:54:09
